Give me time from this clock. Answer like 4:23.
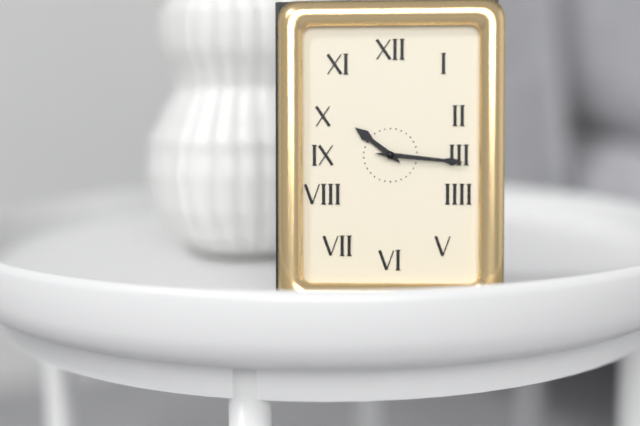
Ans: 10:16
